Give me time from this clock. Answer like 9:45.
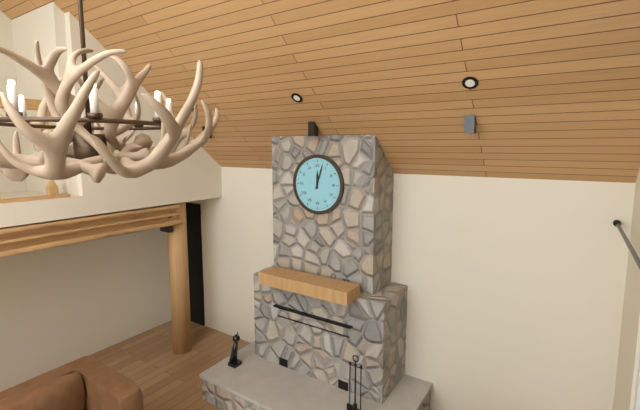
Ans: 12:03
